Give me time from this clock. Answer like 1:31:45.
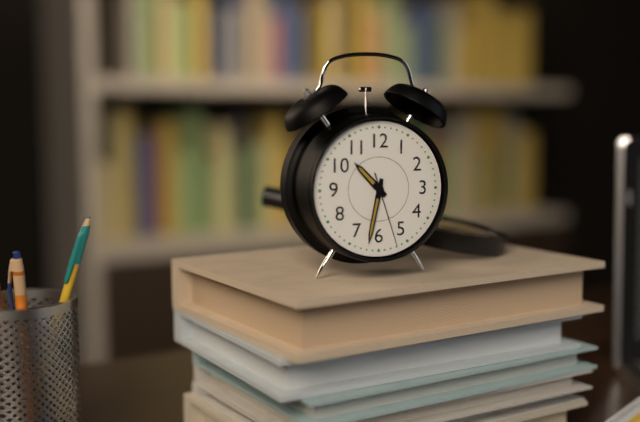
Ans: 10:32:27
